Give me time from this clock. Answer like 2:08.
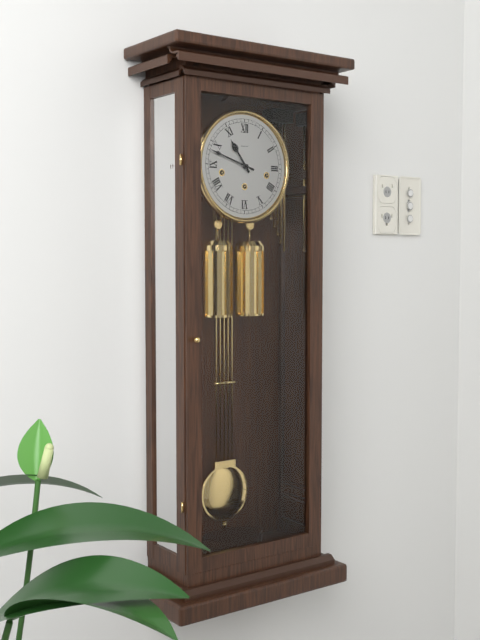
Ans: 10:48
